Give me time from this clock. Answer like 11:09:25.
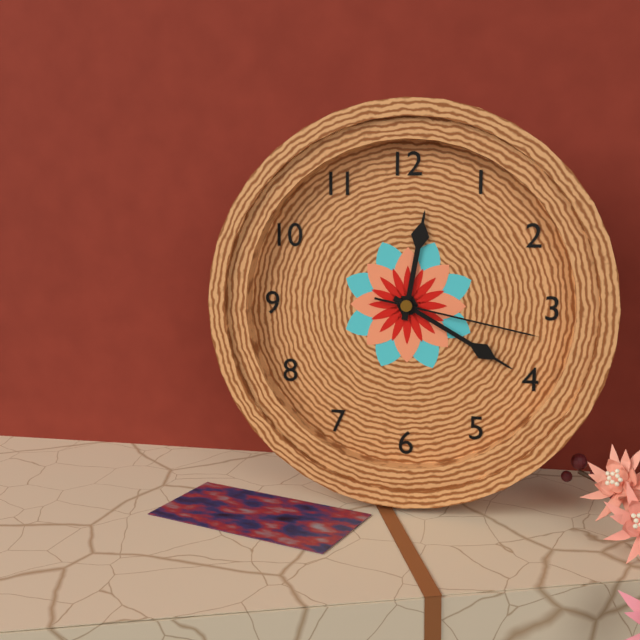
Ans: 12:20:17
